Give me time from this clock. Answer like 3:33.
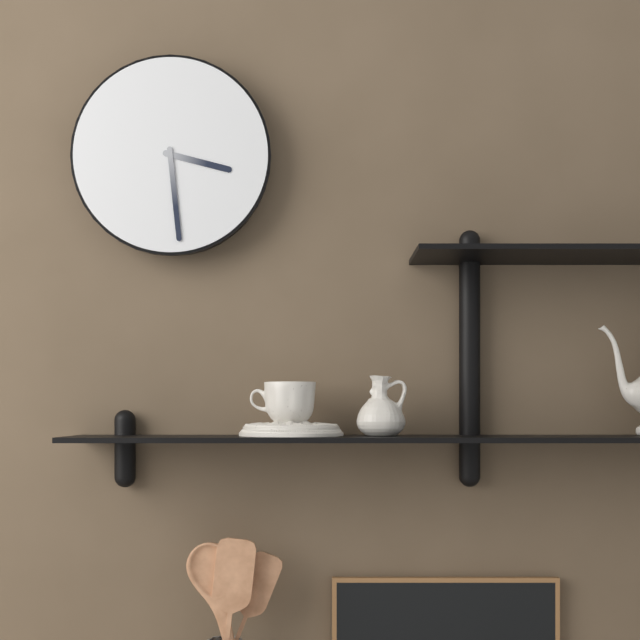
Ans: 3:29
